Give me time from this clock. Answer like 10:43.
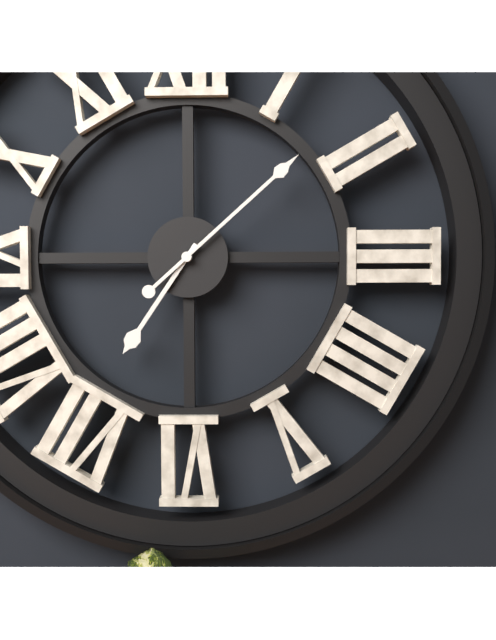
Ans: 7:08
